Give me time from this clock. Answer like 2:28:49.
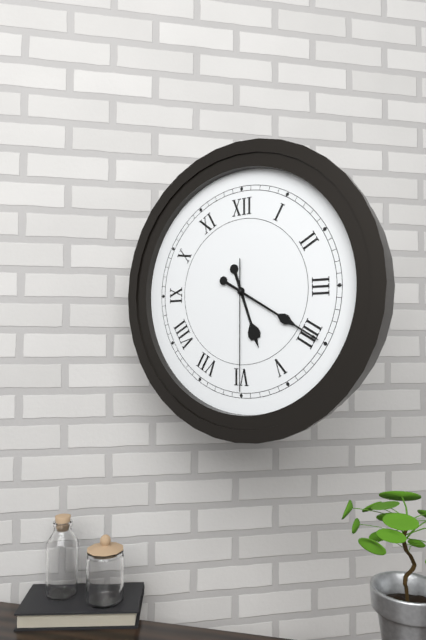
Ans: 5:20:30
